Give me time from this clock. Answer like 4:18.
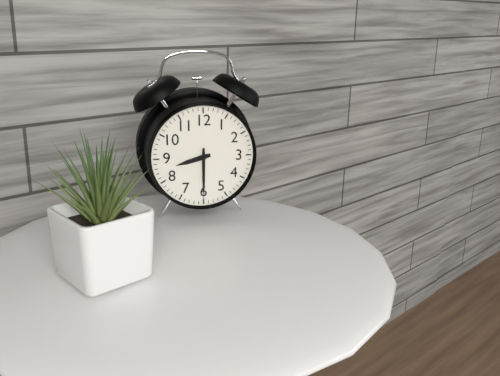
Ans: 8:30
